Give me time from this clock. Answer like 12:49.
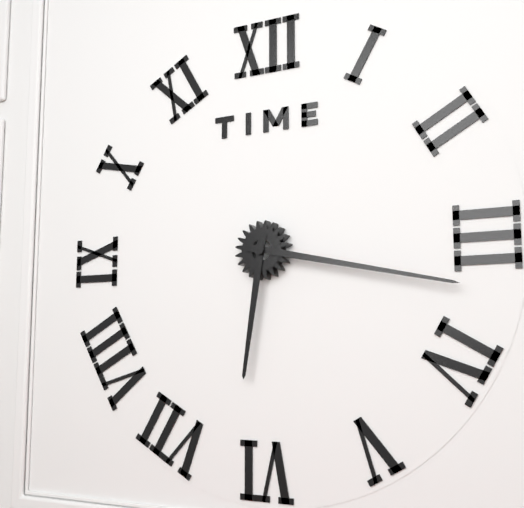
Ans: 6:17
